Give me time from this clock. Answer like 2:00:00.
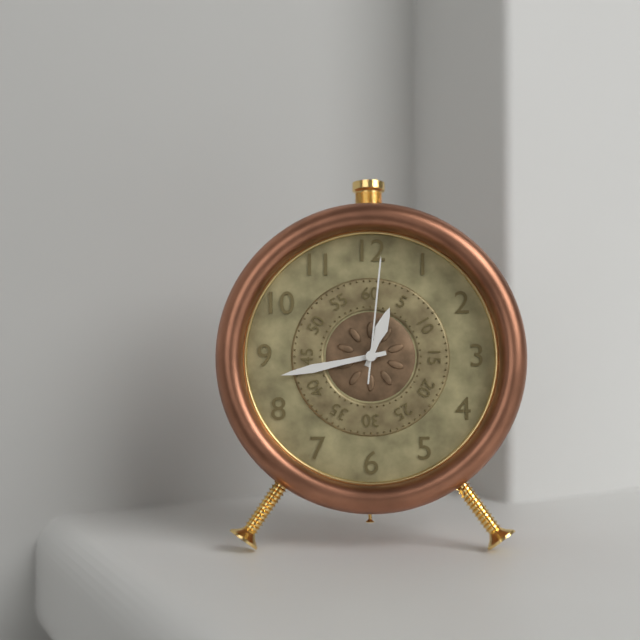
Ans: 12:43:01
